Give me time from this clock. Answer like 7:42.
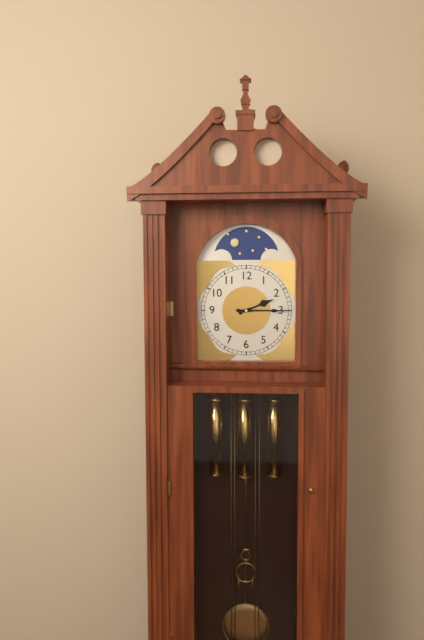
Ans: 2:15
